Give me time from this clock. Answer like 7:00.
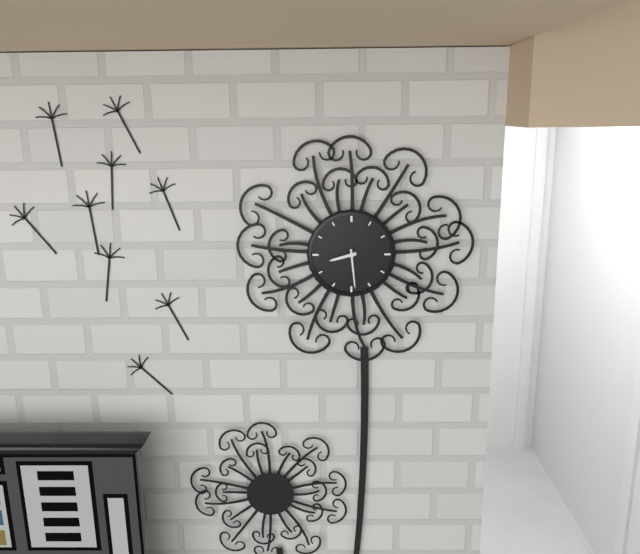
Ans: 8:29
